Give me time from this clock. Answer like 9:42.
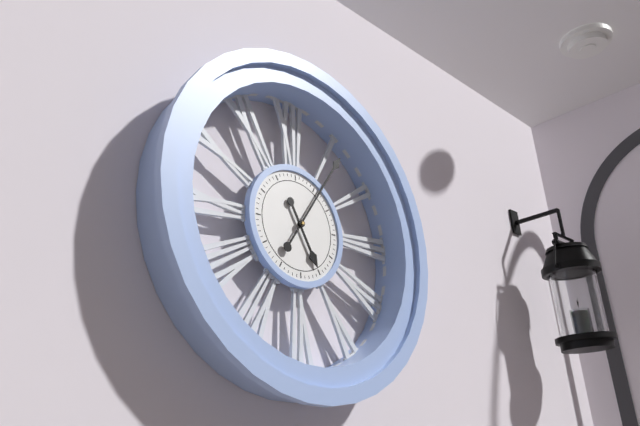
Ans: 5:06
